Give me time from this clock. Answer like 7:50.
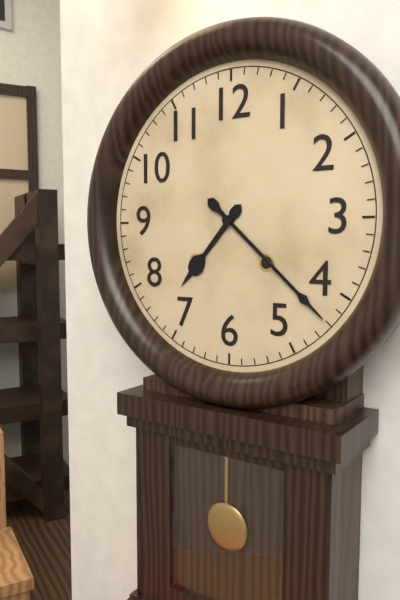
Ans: 7:22
